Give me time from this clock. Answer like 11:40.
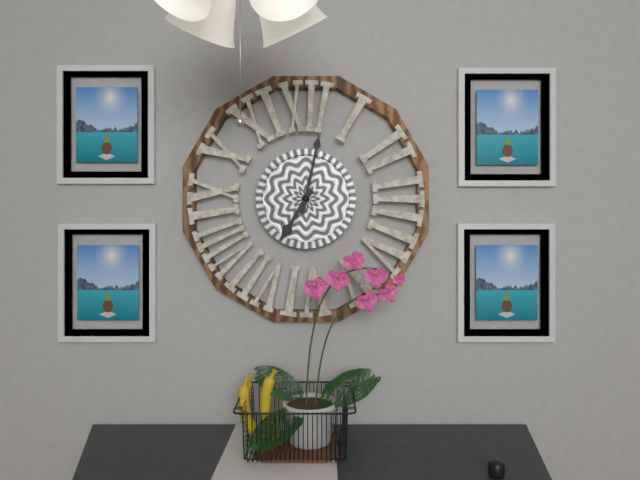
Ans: 7:02
